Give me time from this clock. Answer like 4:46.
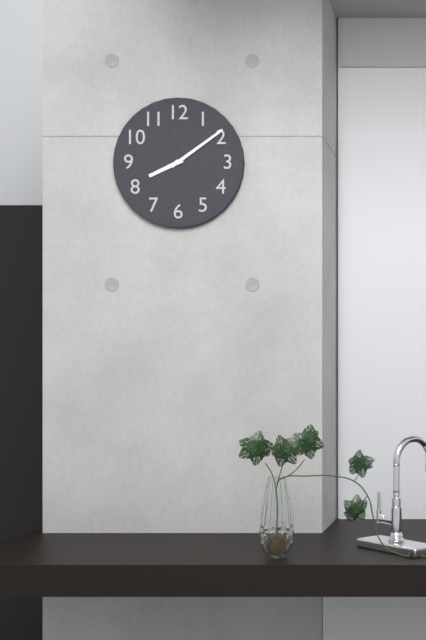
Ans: 8:09
